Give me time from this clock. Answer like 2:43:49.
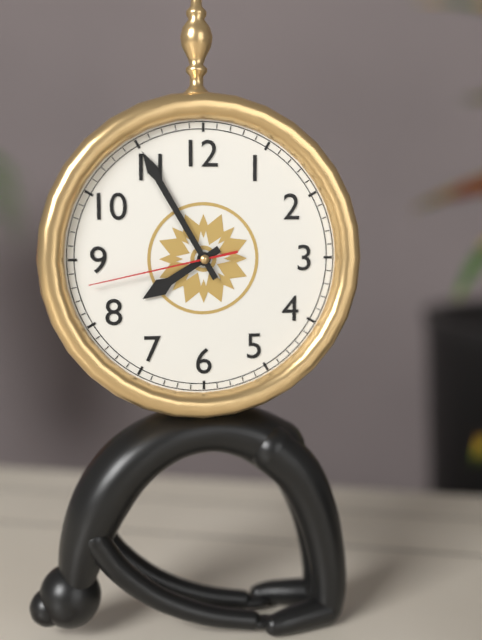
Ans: 7:55:43
